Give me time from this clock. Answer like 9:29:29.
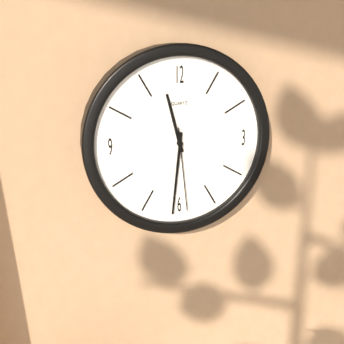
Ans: 11:31:29
